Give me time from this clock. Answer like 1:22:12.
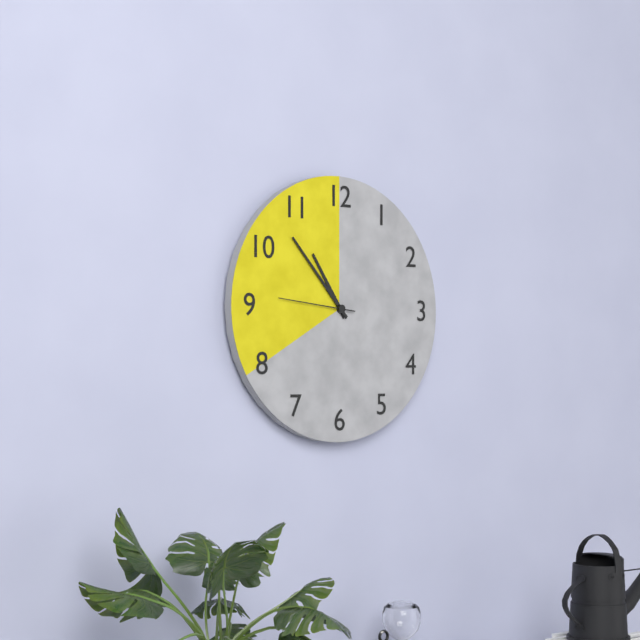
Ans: 10:53:46
